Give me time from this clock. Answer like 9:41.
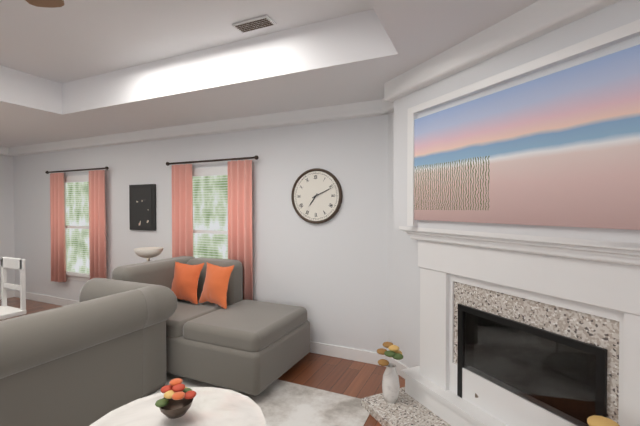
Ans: 7:11
